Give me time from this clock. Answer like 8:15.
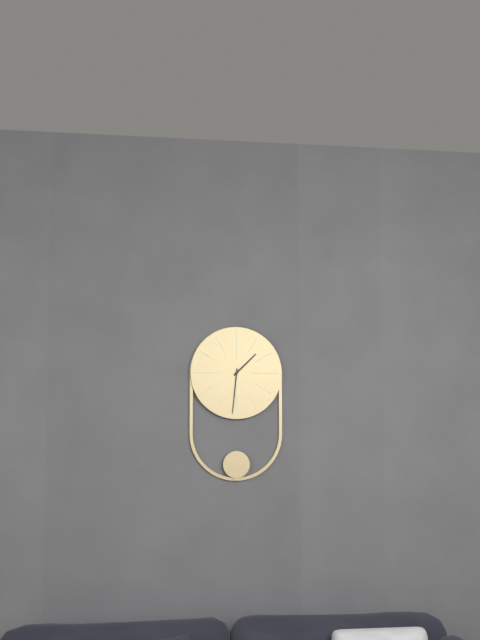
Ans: 1:31
